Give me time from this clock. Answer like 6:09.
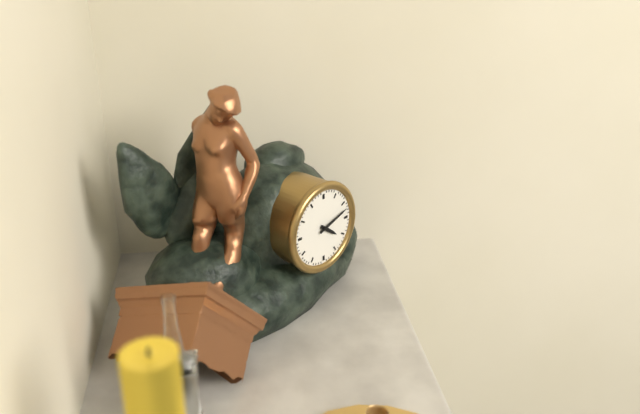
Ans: 4:12
